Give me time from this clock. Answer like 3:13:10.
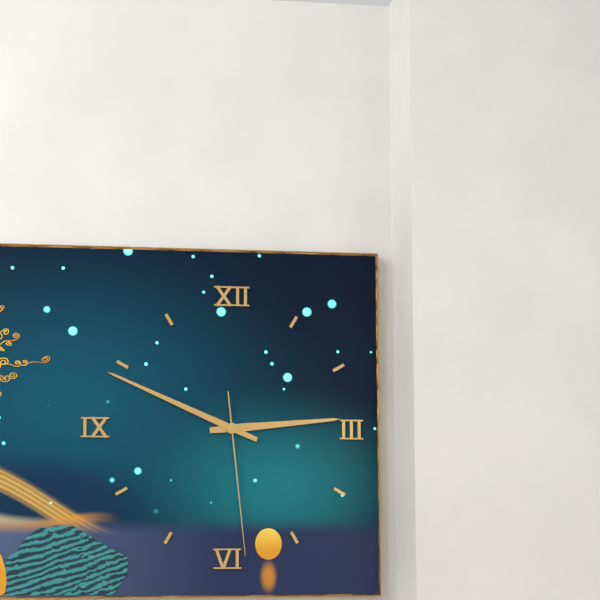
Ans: 2:49:29
